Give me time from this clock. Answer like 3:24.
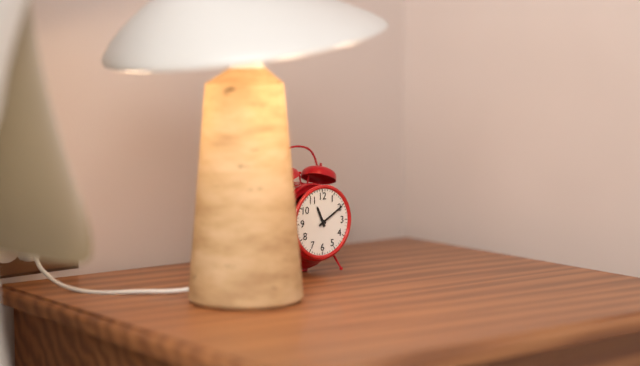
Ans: 11:10
